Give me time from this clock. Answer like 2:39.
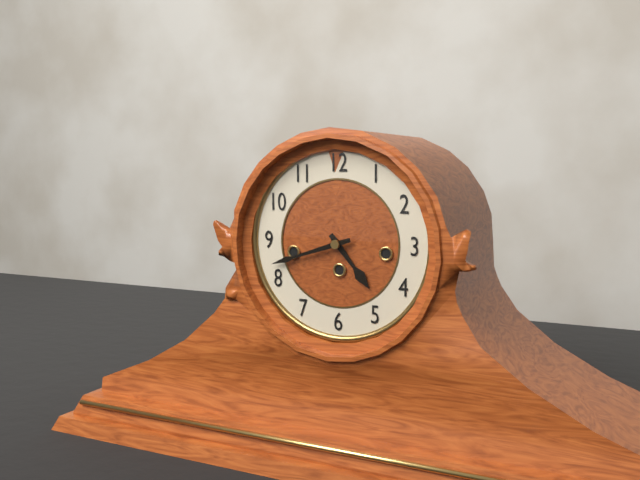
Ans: 4:42
